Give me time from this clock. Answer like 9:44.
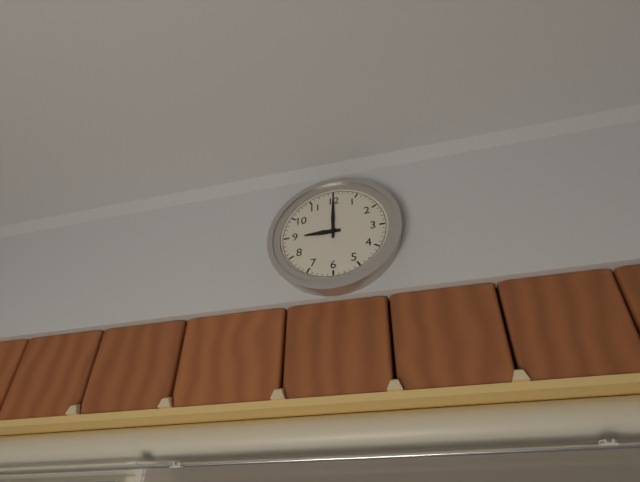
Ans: 9:00
